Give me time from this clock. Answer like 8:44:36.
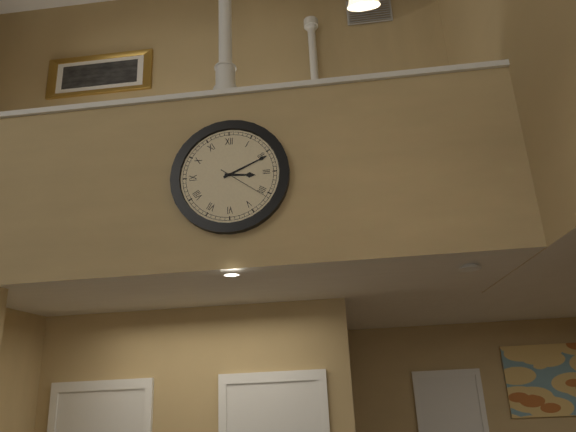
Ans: 3:11:21
